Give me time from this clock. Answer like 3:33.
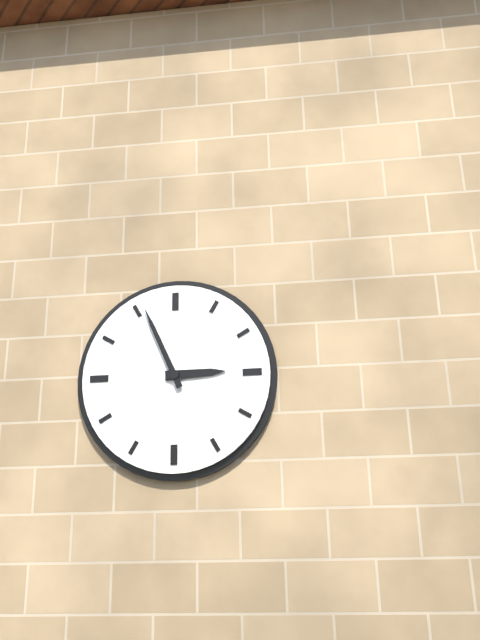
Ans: 2:56
